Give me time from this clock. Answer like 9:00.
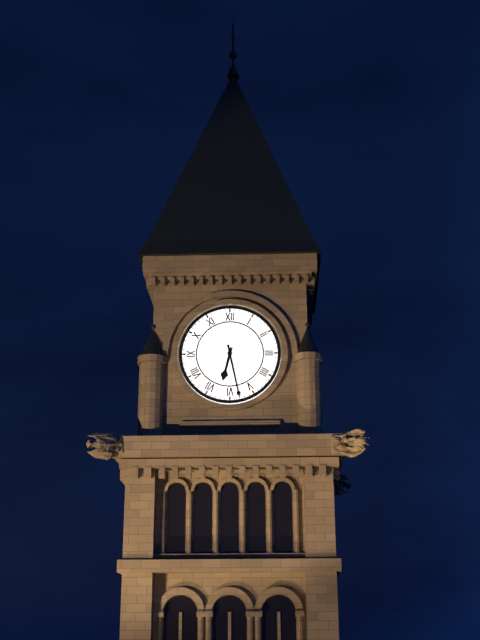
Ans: 6:28
